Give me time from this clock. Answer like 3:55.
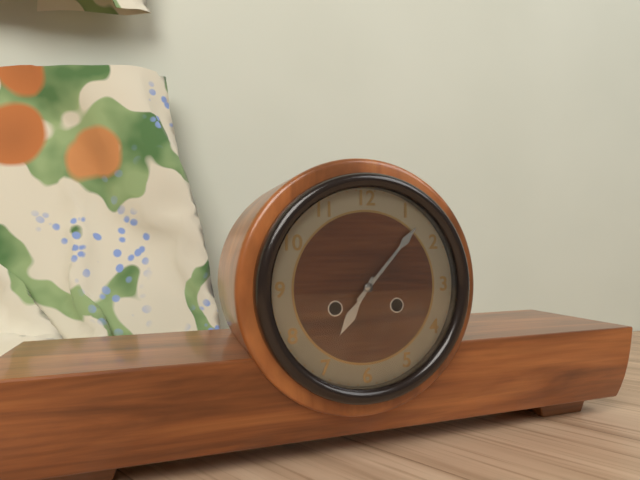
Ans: 7:07
